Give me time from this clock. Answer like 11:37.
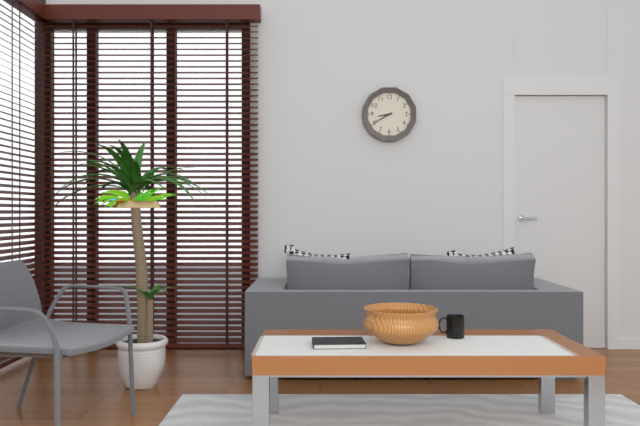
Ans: 8:40
